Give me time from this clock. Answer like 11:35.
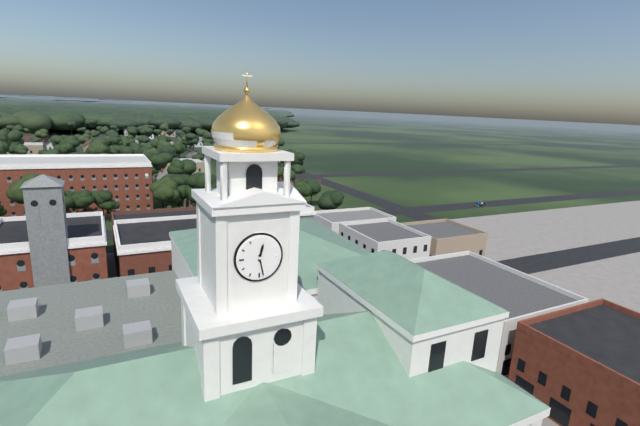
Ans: 12:28
